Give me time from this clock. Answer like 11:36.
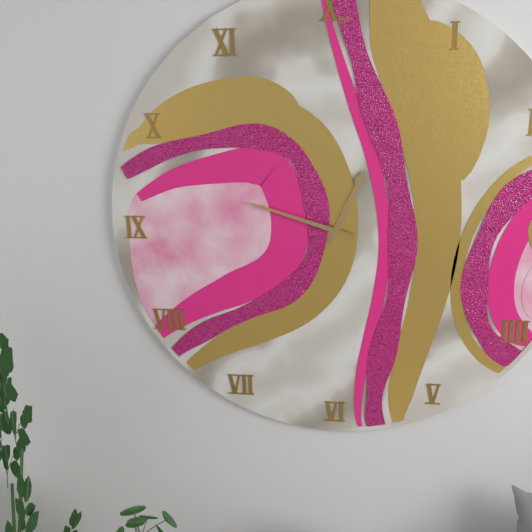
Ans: 12:48
